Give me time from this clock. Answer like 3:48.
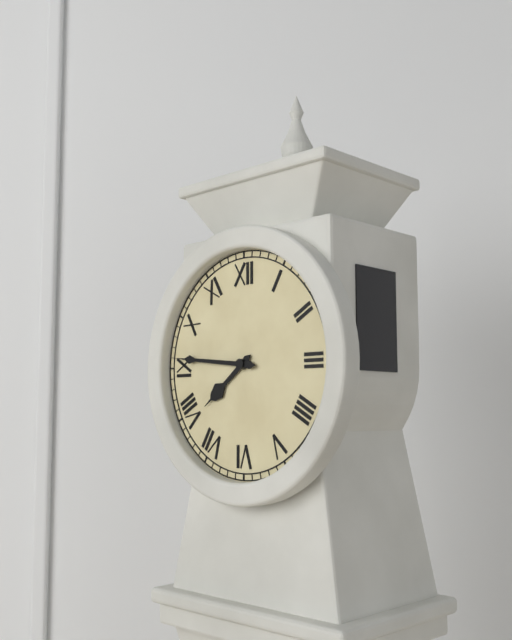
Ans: 7:46
